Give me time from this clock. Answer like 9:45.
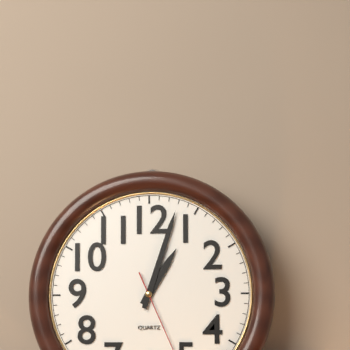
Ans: 1:03
